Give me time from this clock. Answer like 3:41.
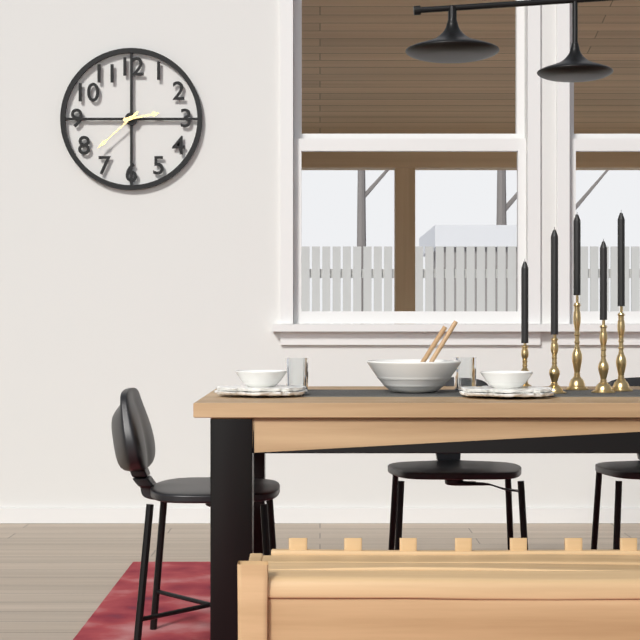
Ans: 2:38
